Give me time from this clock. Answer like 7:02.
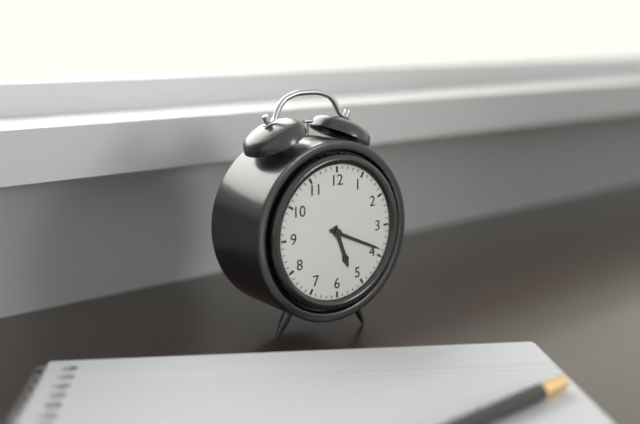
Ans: 5:19
